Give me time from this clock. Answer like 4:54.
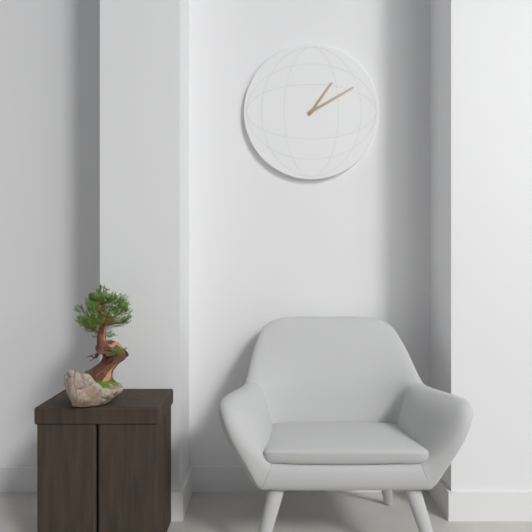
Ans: 1:10
